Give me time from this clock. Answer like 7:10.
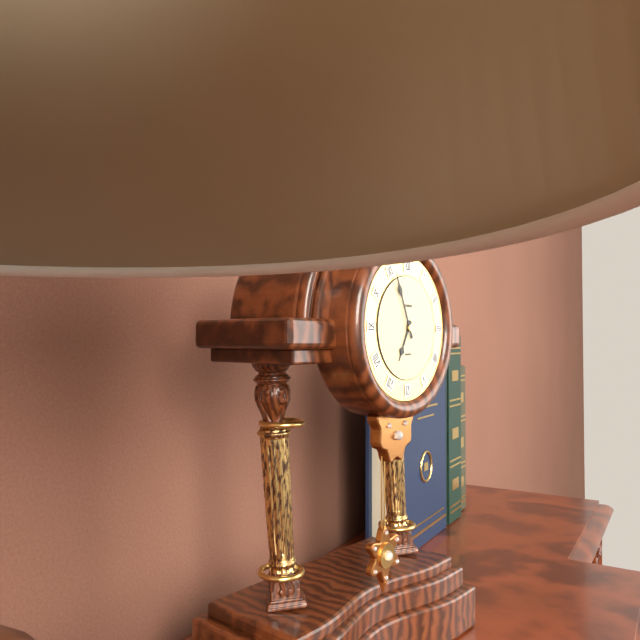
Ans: 6:56
